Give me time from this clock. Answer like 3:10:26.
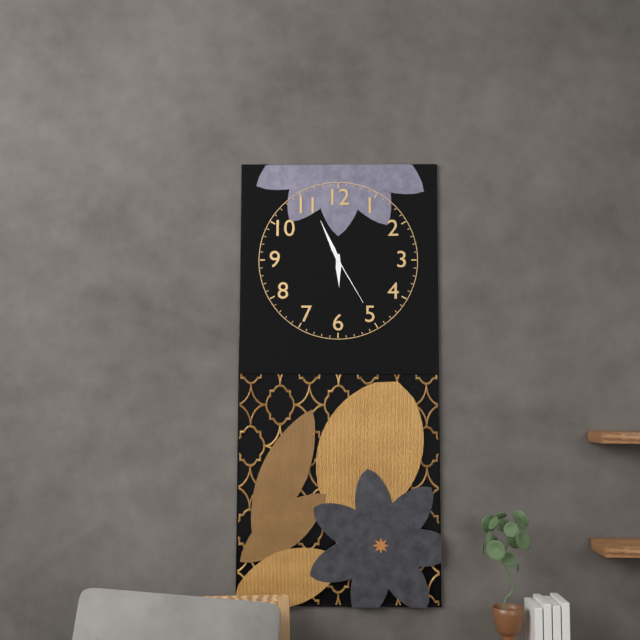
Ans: 5:56:25
